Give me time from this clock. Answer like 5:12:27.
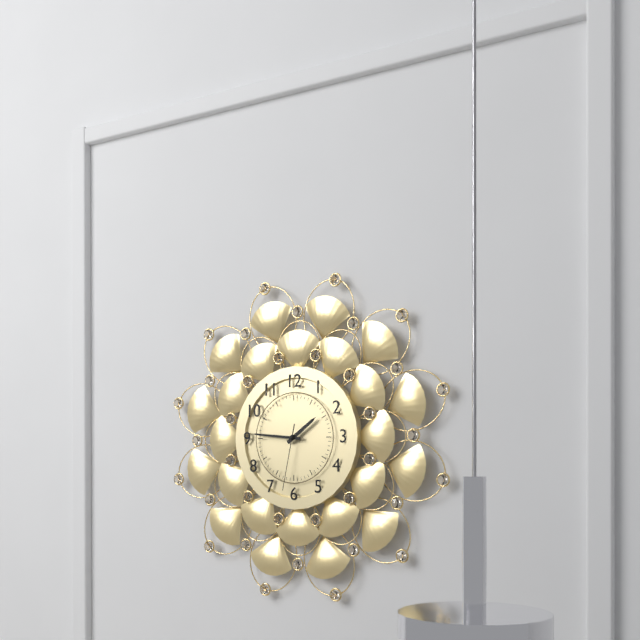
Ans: 1:46:32
